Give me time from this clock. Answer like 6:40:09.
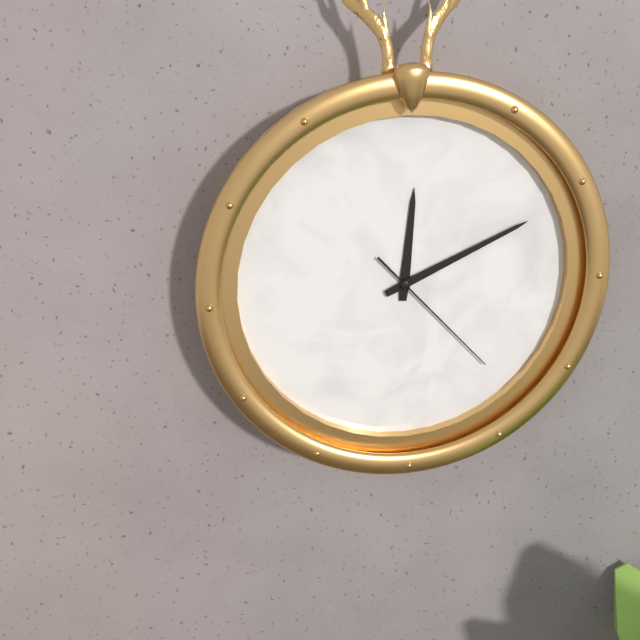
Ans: 12:11:23
